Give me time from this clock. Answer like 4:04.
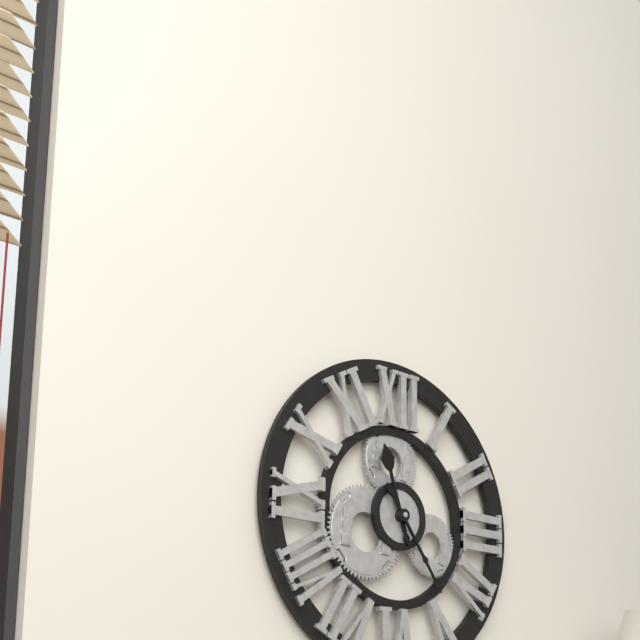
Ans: 11:24
